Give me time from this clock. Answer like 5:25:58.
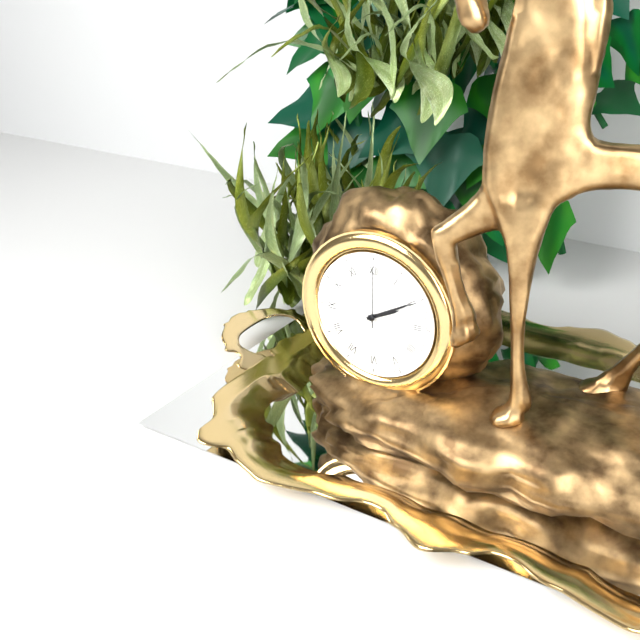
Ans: 2:10:00
